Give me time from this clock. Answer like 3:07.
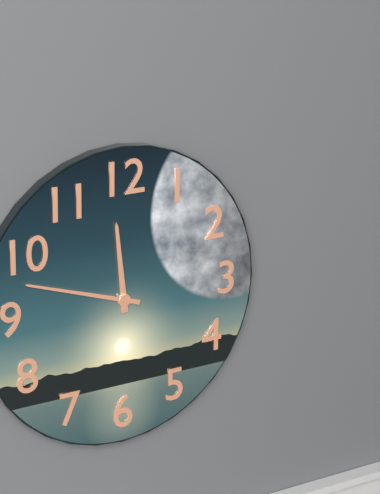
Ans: 11:48
